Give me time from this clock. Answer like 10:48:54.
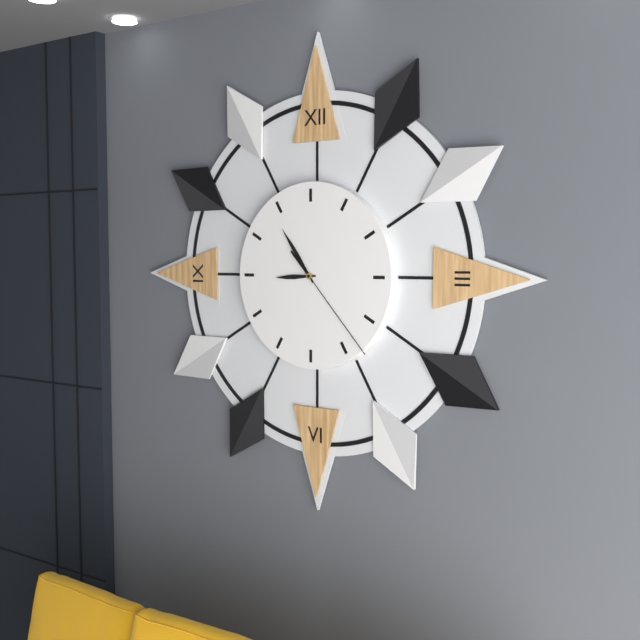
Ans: 8:54:23
